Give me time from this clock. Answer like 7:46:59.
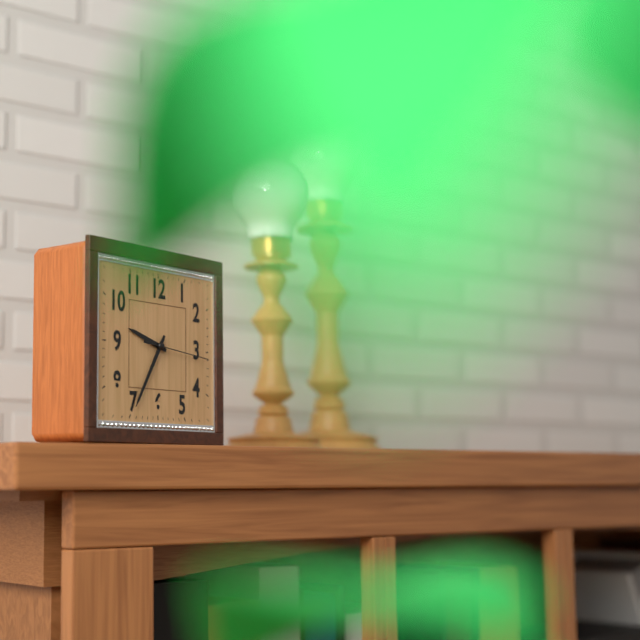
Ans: 9:35:16
